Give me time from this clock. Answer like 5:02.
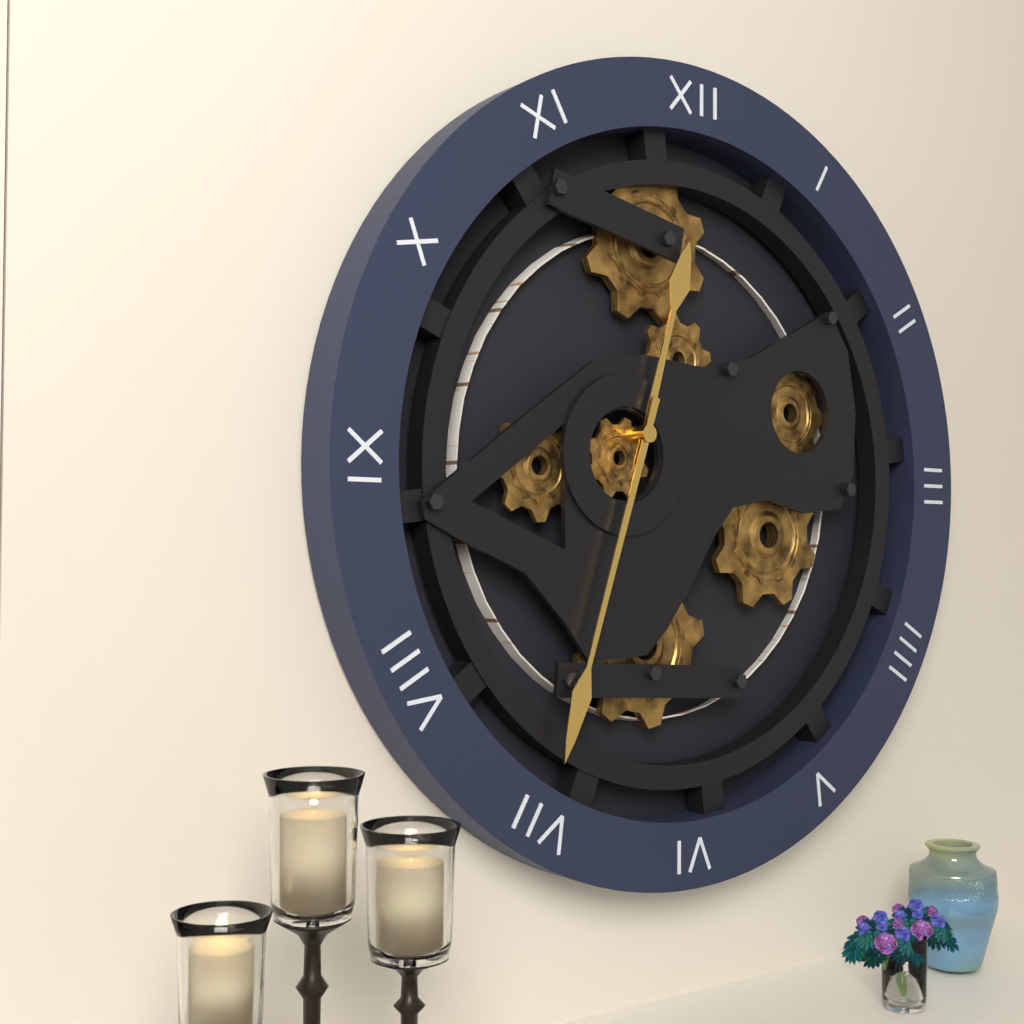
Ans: 12:33
